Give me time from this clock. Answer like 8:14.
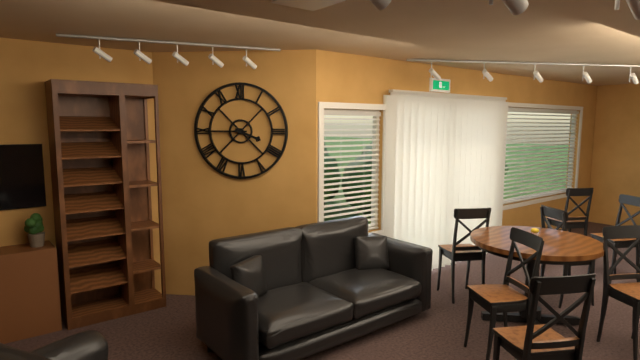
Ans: 3:45
